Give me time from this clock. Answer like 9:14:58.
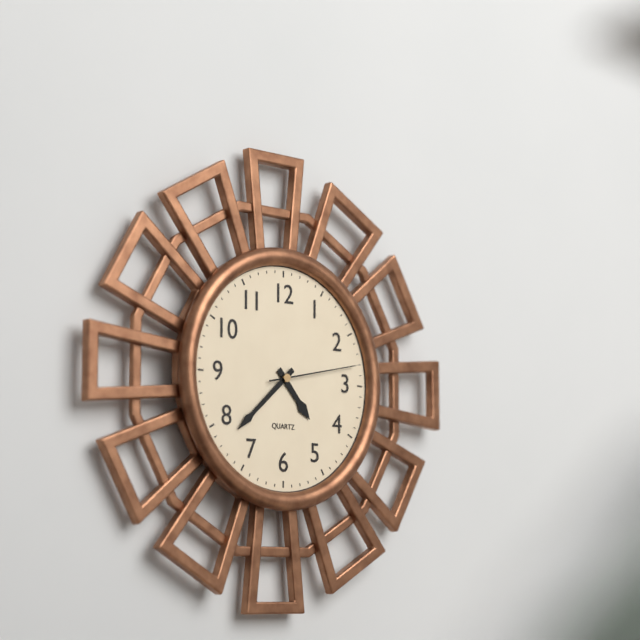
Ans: 4:38:13
